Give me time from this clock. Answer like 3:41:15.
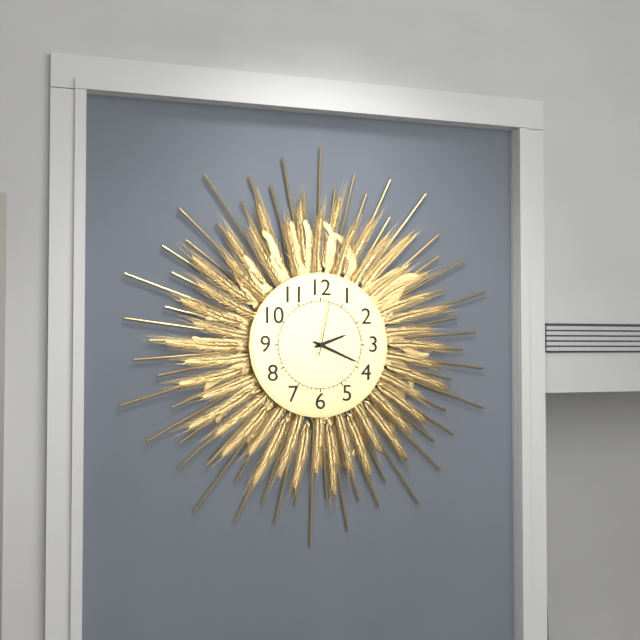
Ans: 2:19:02
